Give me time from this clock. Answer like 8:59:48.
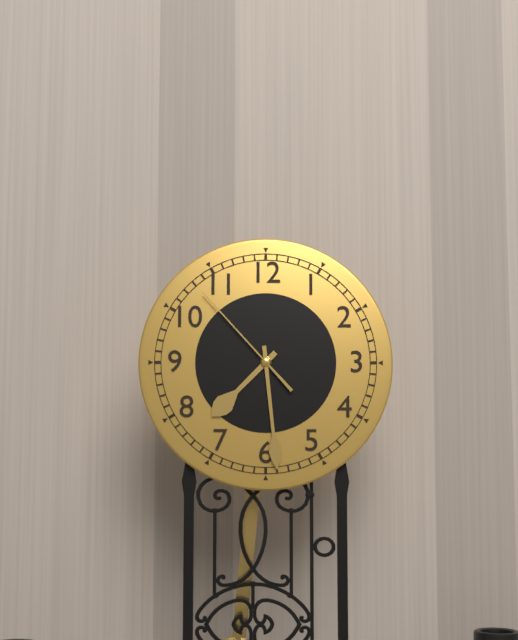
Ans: 7:29:53
